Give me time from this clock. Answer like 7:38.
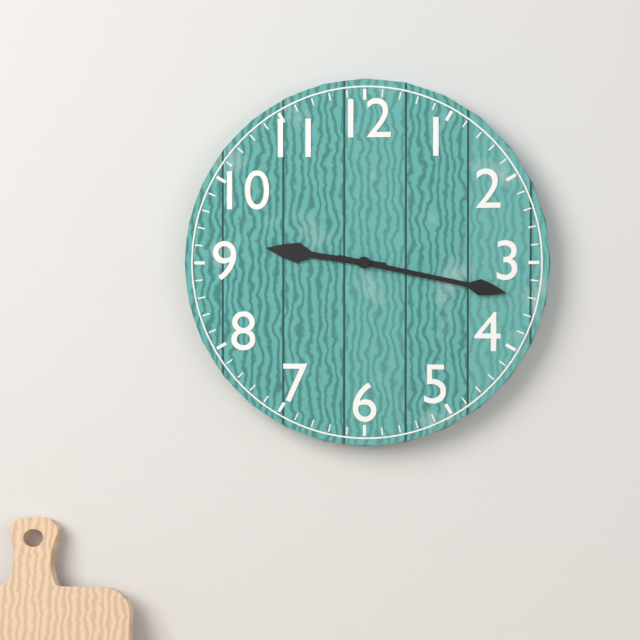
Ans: 9:17
